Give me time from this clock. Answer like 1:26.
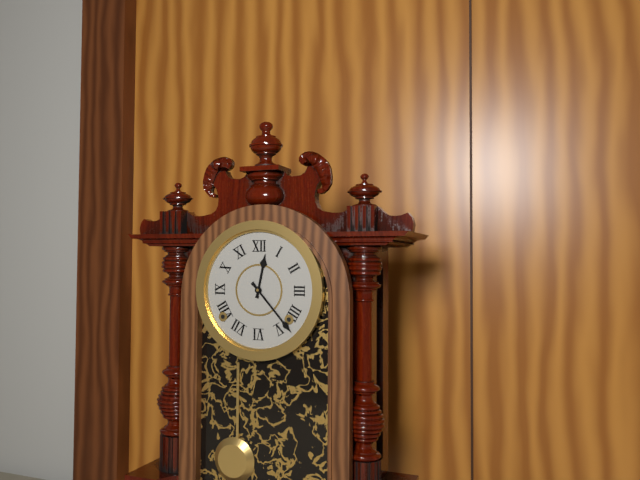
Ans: 12:23
